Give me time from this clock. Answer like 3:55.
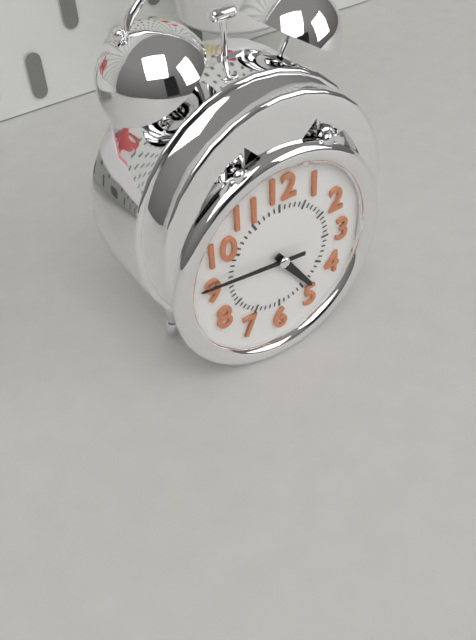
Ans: 4:46
